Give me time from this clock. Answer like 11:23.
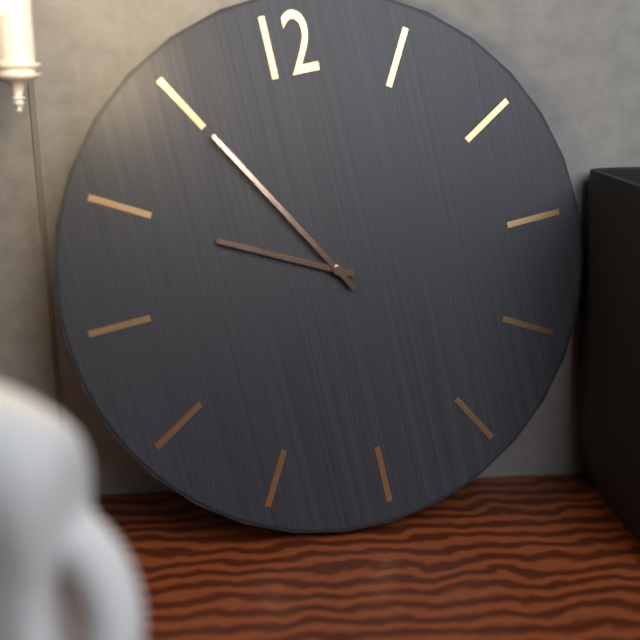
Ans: 9:55
